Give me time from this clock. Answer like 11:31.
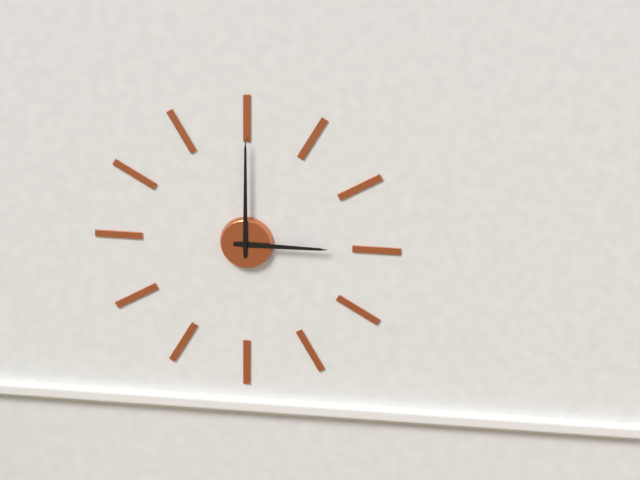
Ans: 3:00
